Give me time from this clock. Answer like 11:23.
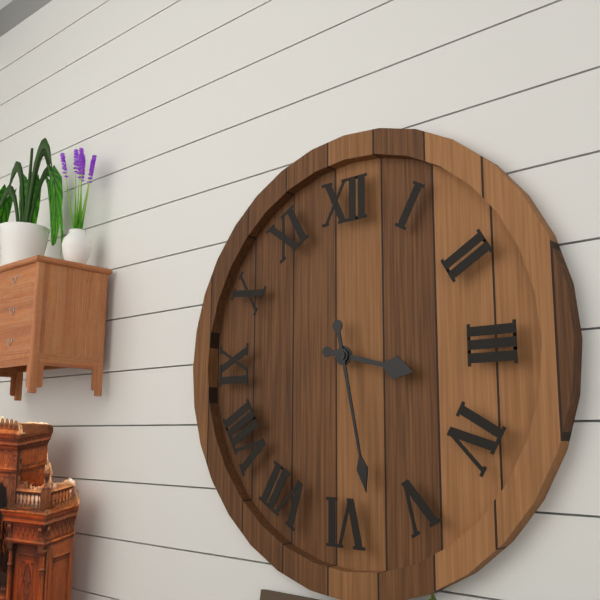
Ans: 3:28
